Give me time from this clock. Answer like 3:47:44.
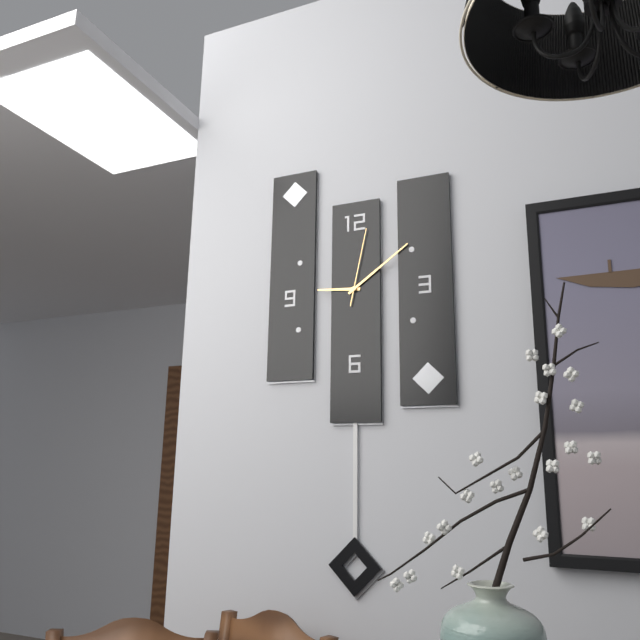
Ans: 9:09:02
